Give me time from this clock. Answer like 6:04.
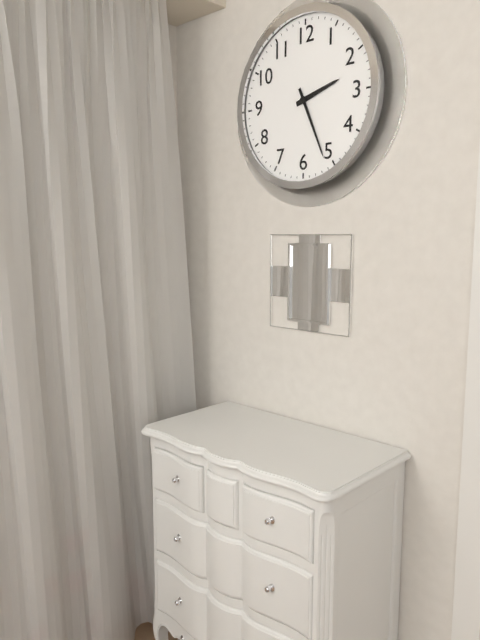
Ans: 2:26
